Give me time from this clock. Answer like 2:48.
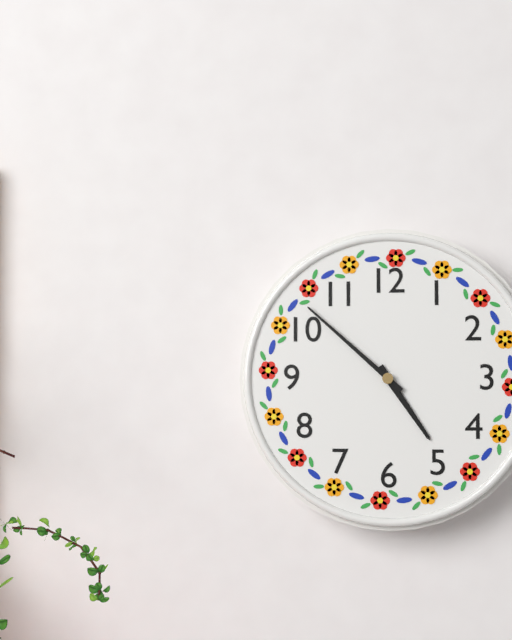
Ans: 4:52
